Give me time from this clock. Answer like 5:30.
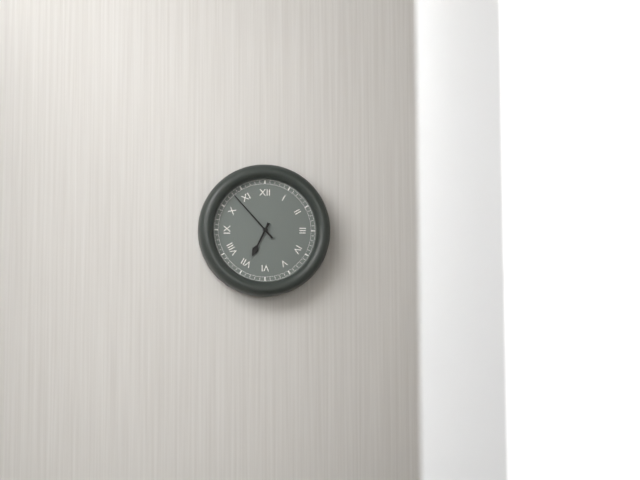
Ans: 6:53
